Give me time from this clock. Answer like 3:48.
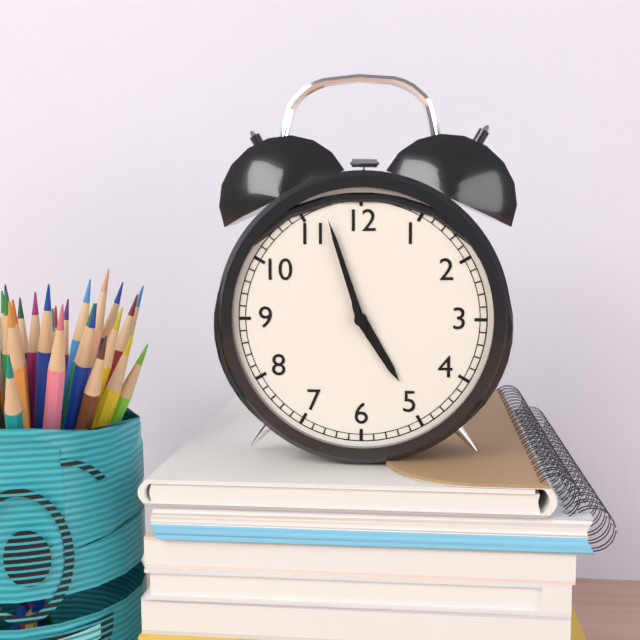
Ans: 4:57
